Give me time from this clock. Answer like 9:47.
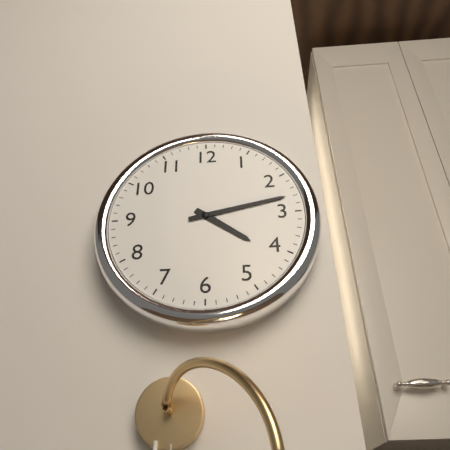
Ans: 4:13
